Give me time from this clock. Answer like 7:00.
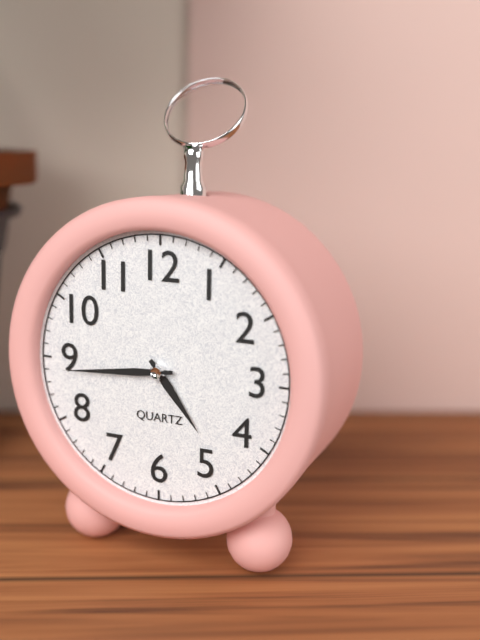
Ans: 4:44
